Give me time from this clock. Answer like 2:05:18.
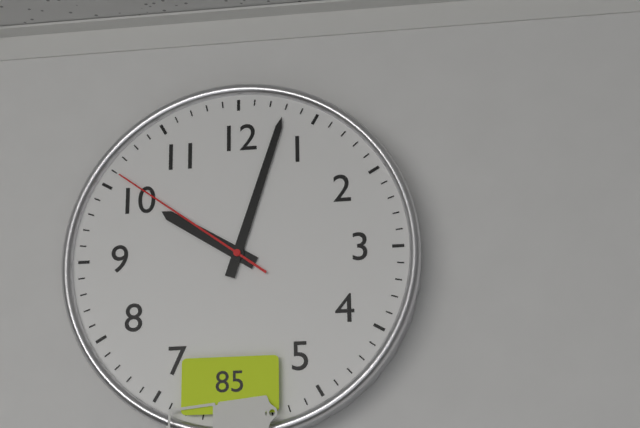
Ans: 10:03:51
